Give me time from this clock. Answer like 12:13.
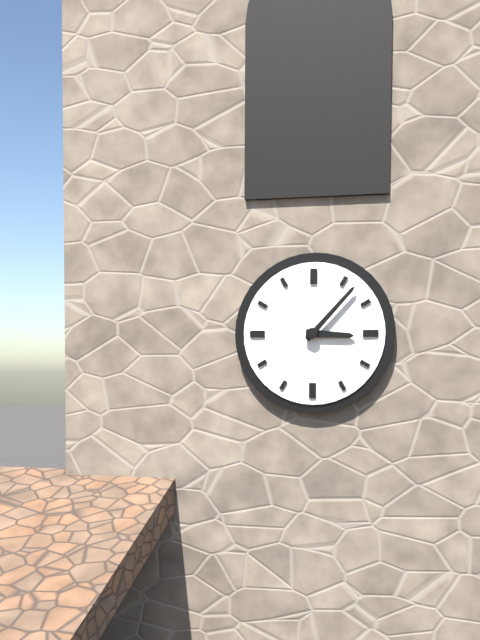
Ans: 3:07
